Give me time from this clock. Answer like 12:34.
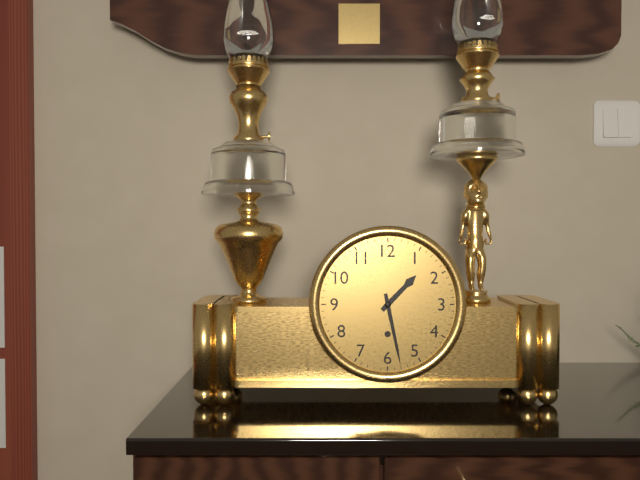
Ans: 1:28
